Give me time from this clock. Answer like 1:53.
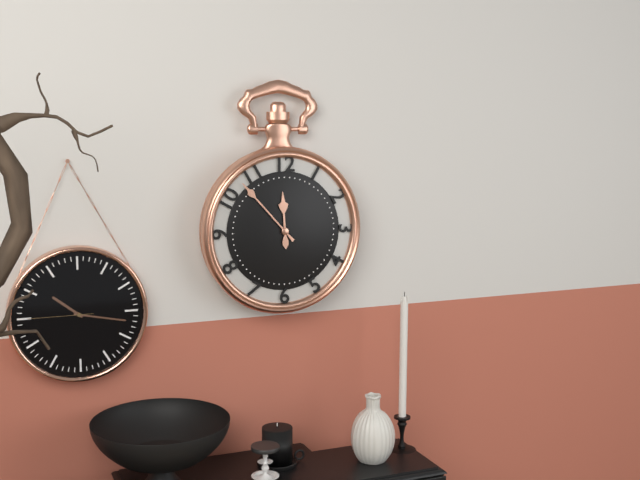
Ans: 11:53
